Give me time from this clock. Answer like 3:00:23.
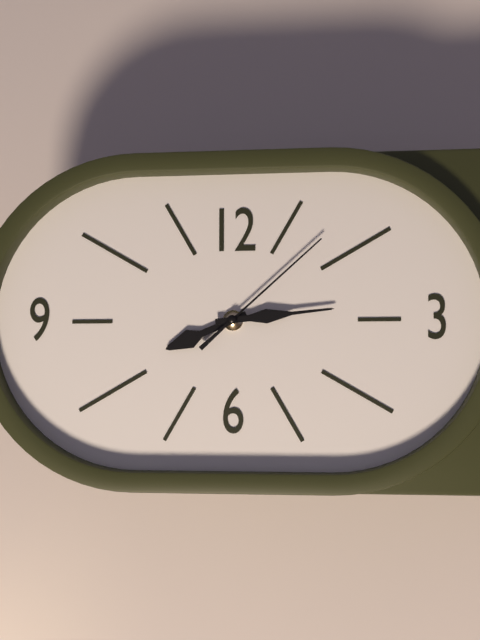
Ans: 8:14:08
